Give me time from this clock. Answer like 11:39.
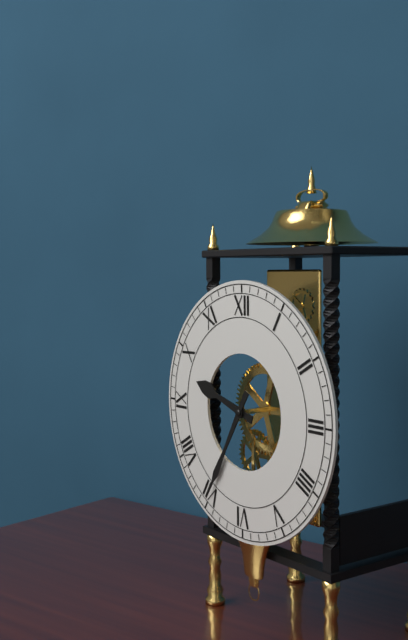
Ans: 9:35
